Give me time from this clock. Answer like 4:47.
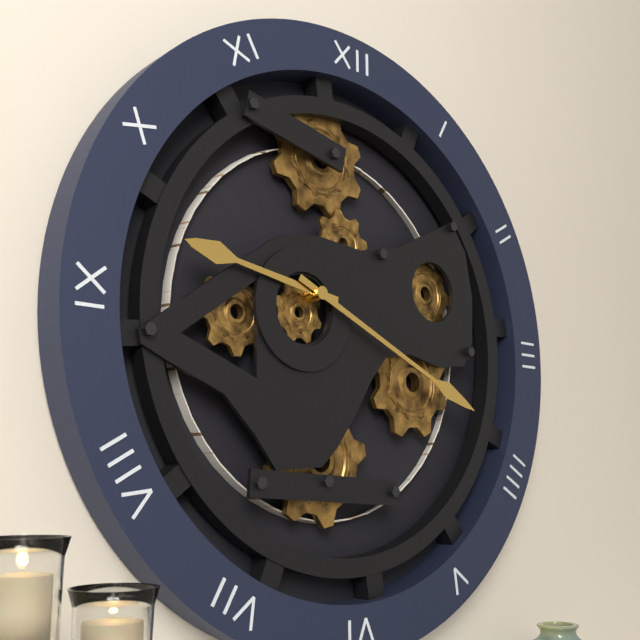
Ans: 9:19
